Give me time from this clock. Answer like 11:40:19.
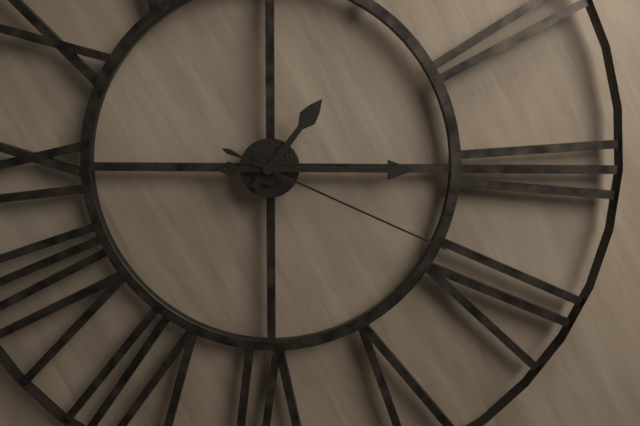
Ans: 1:15:19
